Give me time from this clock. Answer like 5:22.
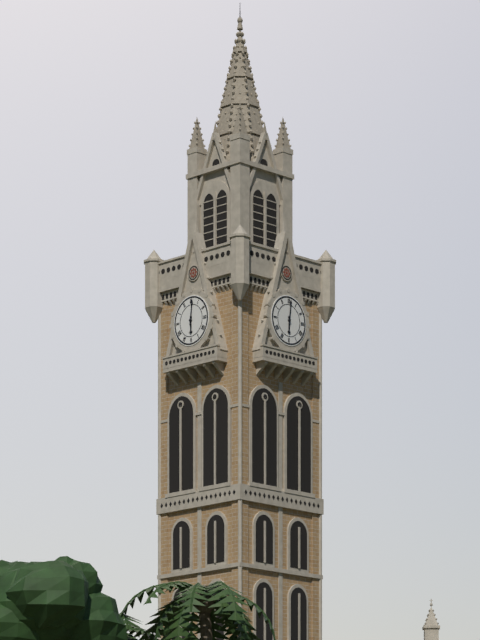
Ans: 6:01
